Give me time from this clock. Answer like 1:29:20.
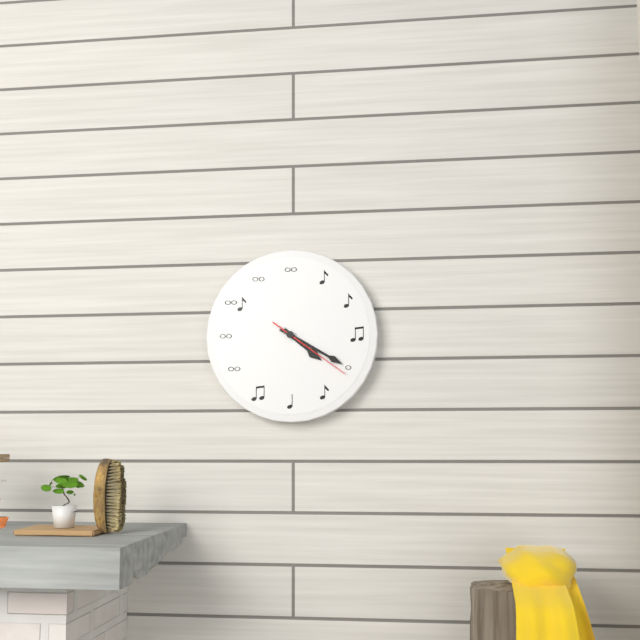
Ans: 4:20:21
